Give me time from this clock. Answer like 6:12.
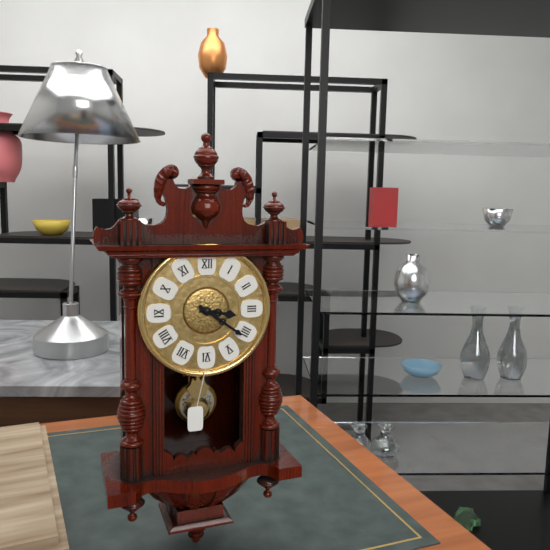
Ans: 3:21
